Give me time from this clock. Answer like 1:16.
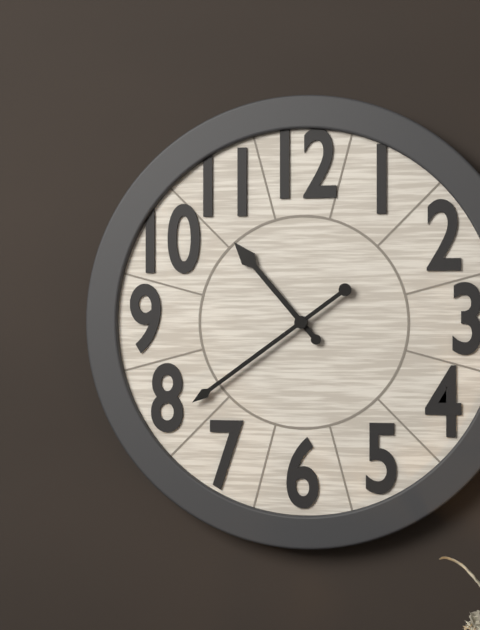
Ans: 10:39
